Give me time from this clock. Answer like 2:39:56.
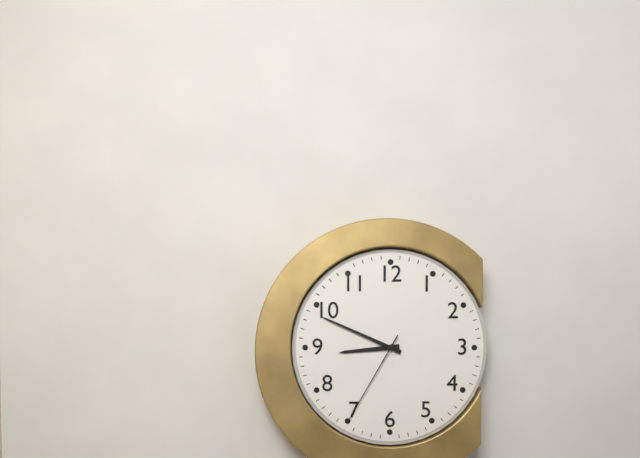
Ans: 8:49:35
